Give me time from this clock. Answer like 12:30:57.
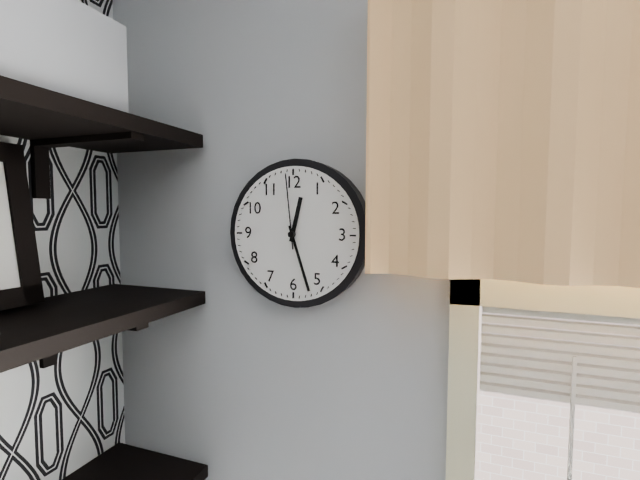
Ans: 12:27:59
